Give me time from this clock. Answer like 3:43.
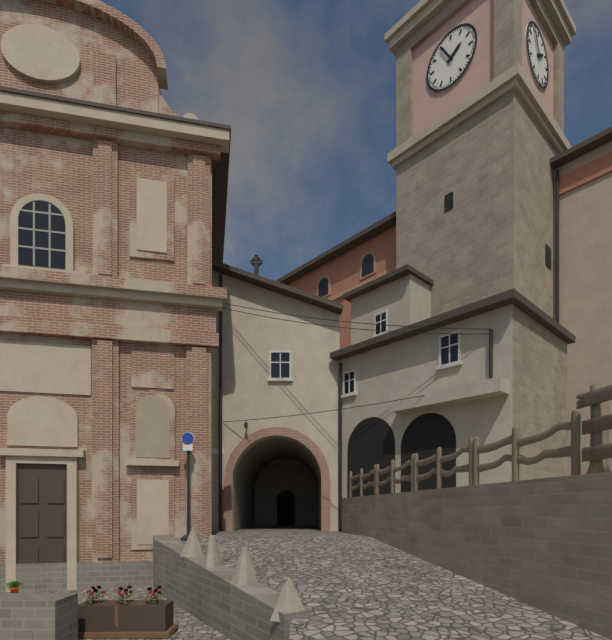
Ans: 1:55
